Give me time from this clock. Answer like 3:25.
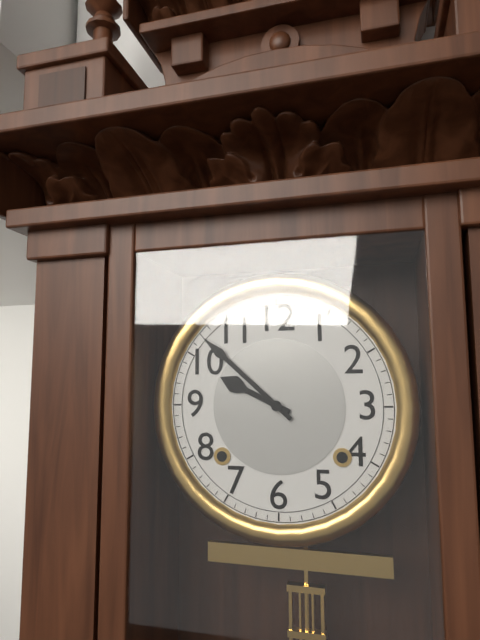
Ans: 9:52
